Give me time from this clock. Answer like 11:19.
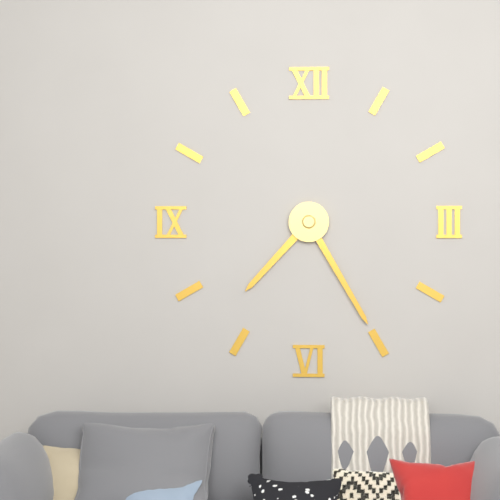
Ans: 7:25
